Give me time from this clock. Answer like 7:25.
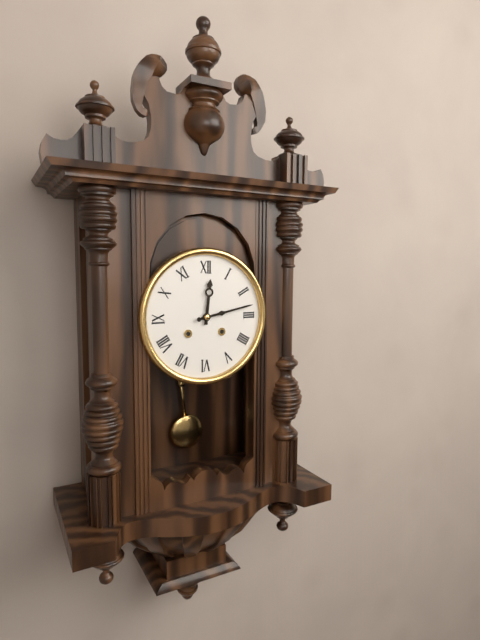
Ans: 12:13
